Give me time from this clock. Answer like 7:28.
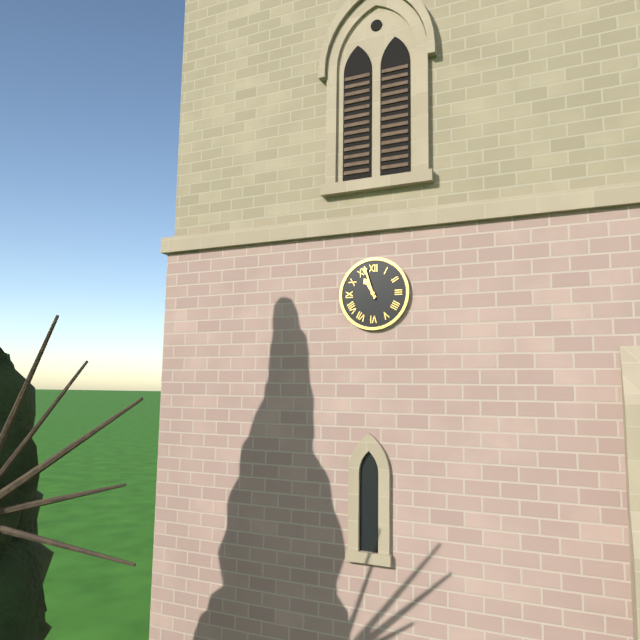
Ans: 10:57
